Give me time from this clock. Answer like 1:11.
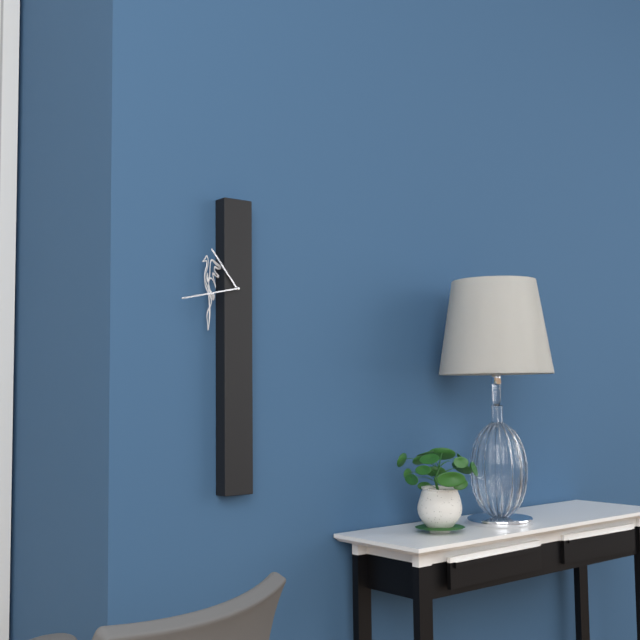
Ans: 10:43
